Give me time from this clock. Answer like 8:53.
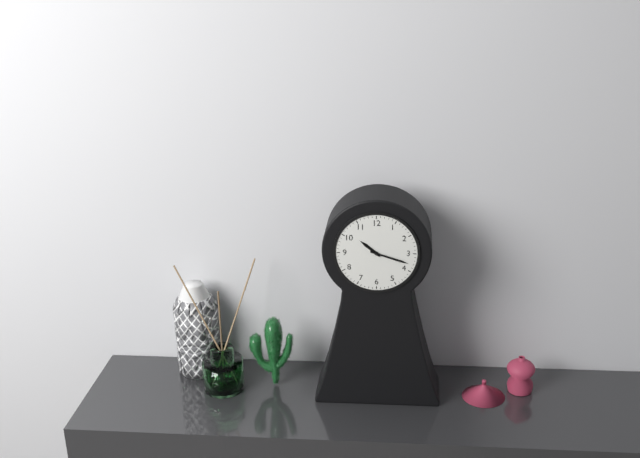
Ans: 10:18
